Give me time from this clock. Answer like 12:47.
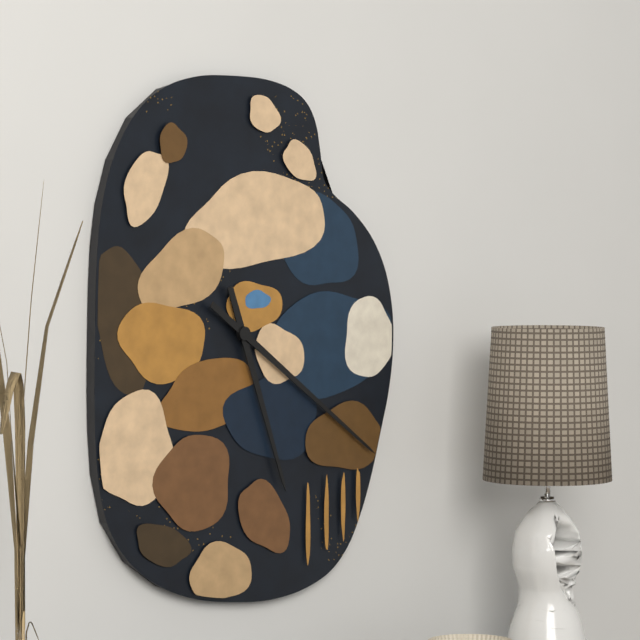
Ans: 5:21
